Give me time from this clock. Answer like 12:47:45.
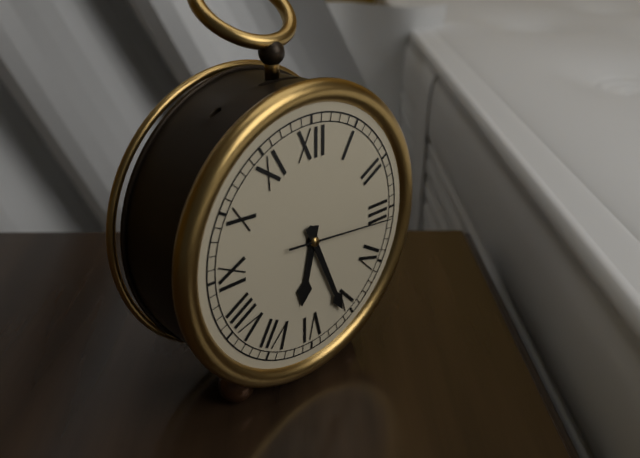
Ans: 6:26:16
